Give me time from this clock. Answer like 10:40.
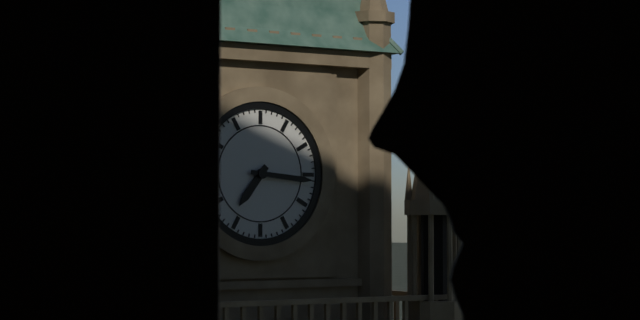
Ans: 7:16
